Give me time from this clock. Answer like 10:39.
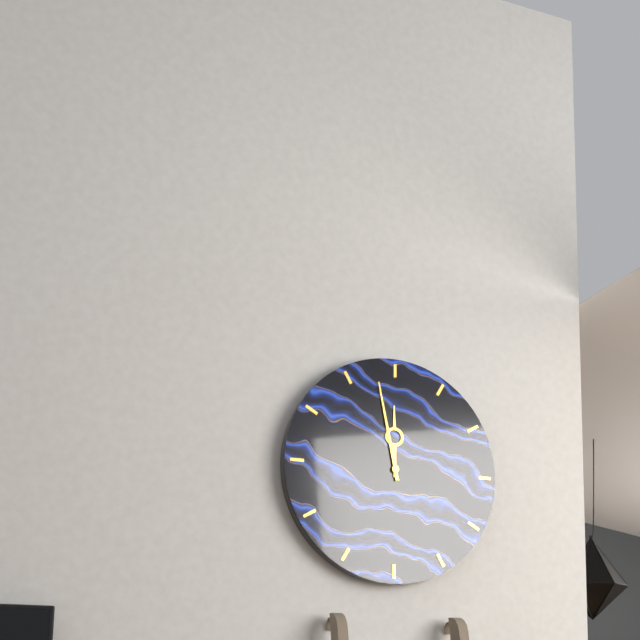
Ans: 11:58
